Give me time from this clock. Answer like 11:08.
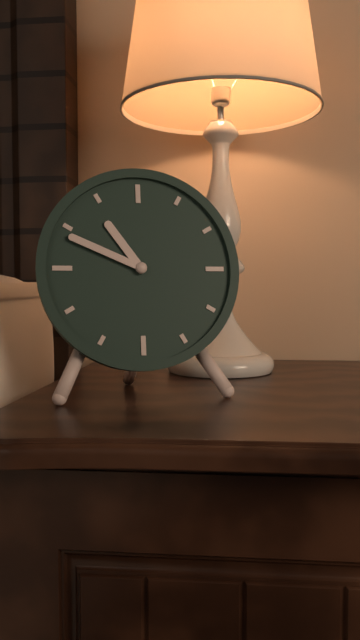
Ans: 10:49
